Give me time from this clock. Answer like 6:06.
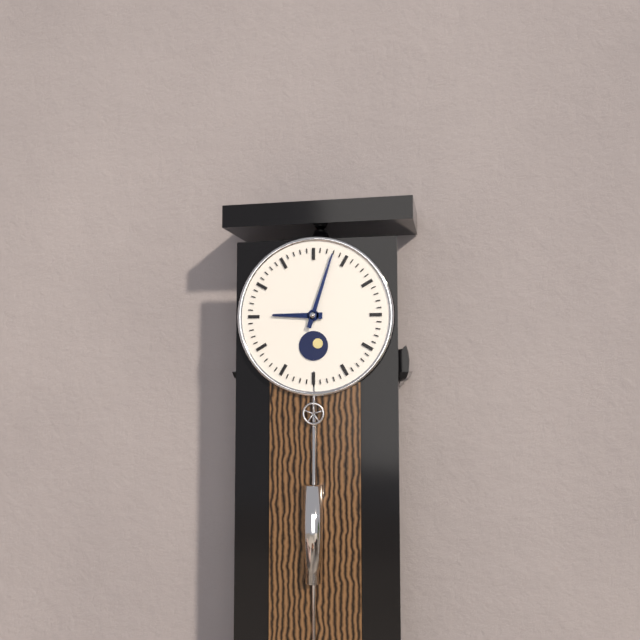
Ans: 9:03
